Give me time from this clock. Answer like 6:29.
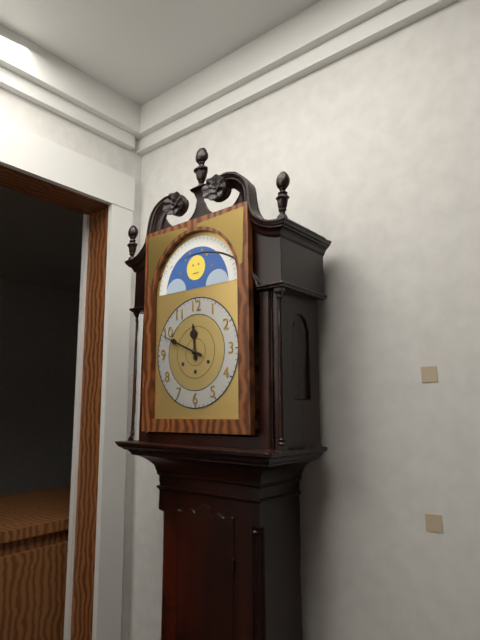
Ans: 11:49
